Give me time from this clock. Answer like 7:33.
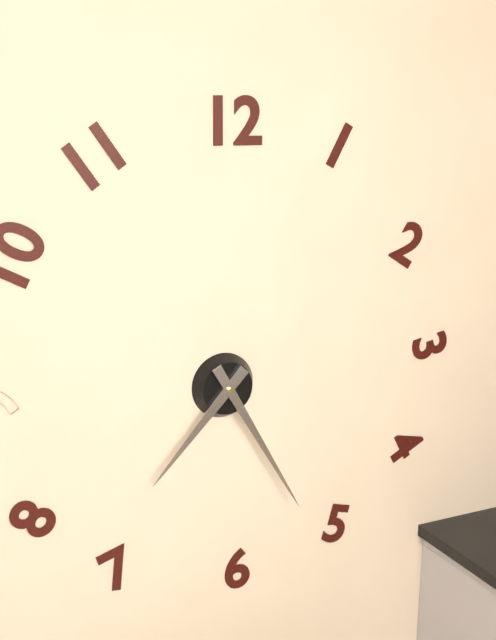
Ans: 7:25
